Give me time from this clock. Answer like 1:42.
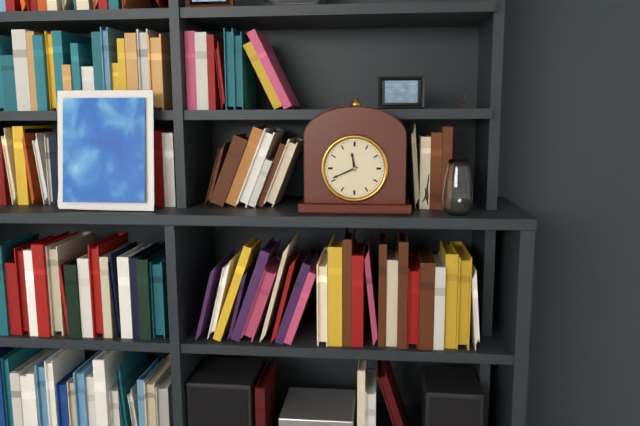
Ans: 11:41
